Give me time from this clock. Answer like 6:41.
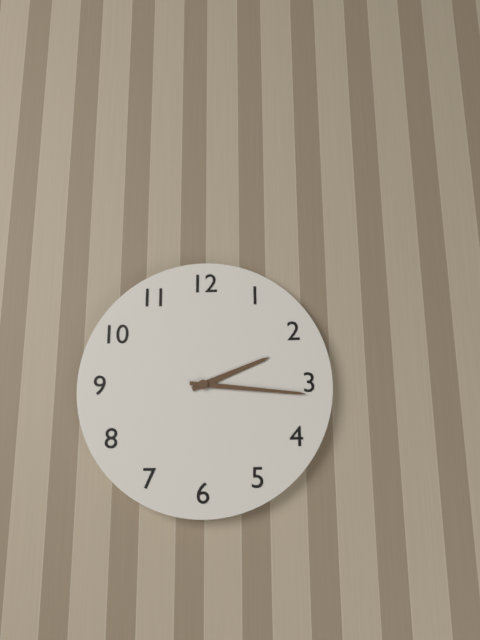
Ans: 2:16
